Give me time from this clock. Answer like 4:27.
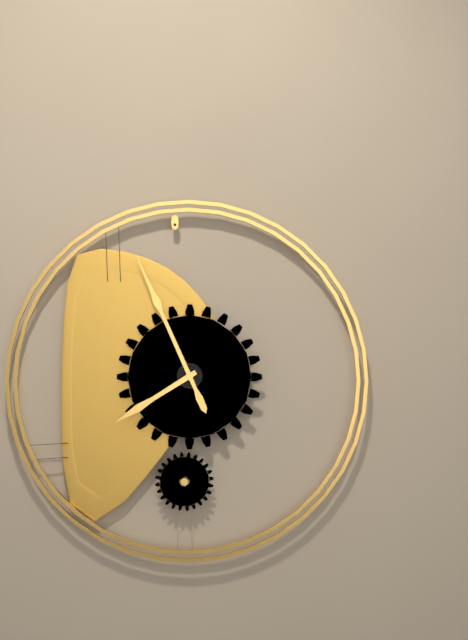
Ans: 7:56
